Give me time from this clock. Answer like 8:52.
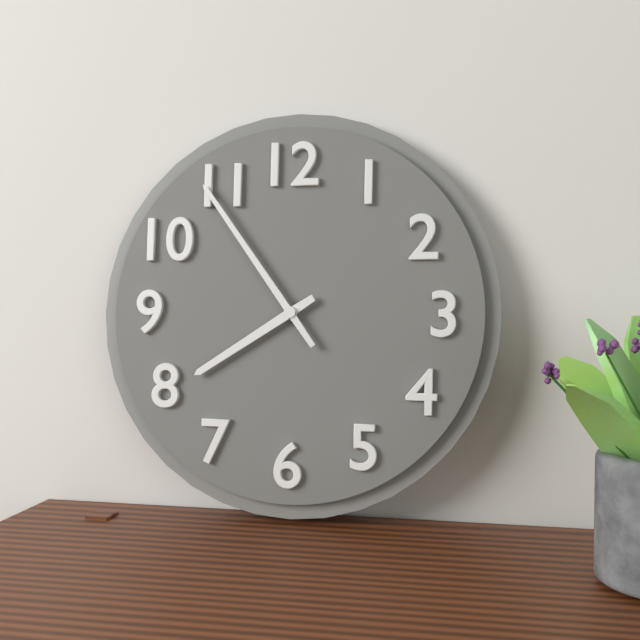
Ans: 7:54
